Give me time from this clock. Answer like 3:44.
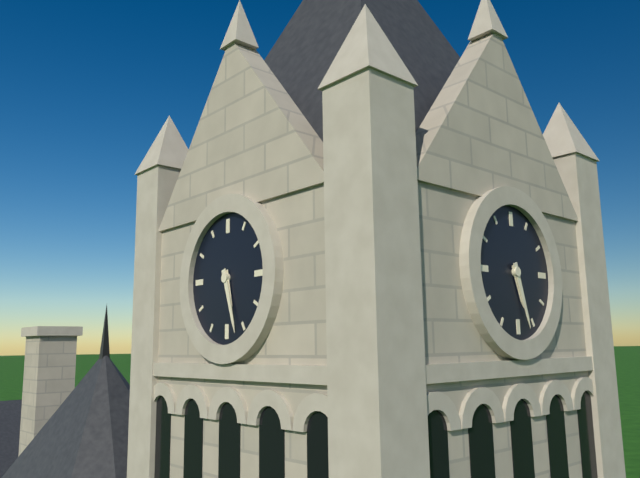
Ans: 5:27
